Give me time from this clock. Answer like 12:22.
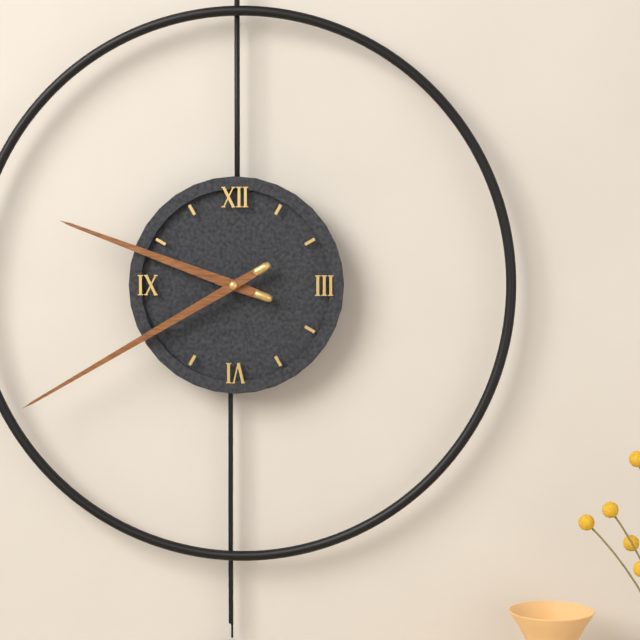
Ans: 9:40
